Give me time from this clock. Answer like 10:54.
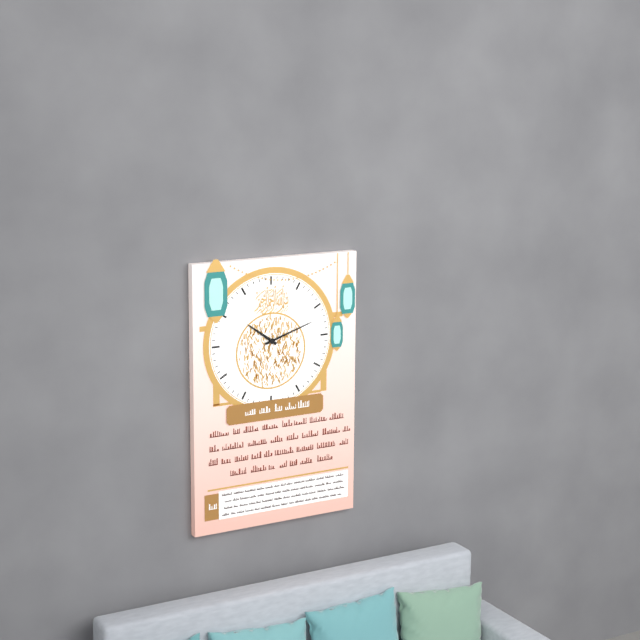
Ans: 10:12
